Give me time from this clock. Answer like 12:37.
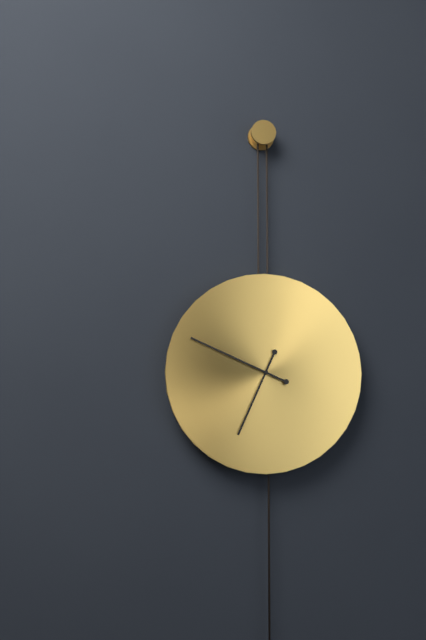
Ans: 6:49
